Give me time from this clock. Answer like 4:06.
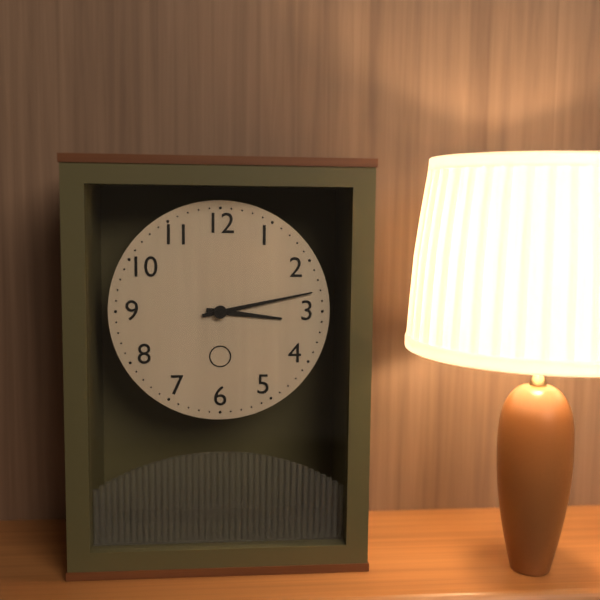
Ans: 3:13
